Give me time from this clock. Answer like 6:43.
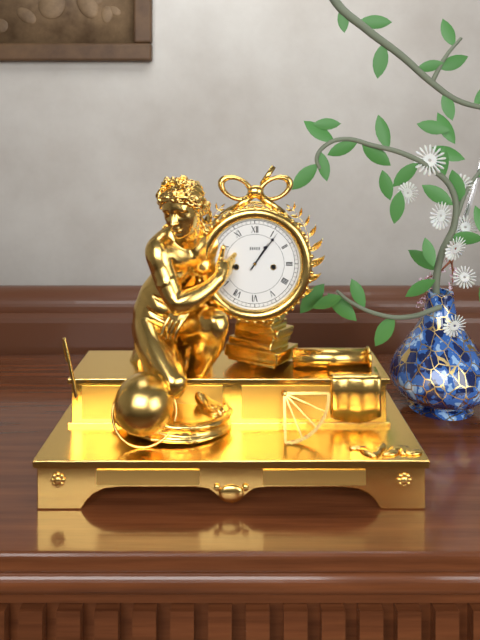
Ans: 1:06
